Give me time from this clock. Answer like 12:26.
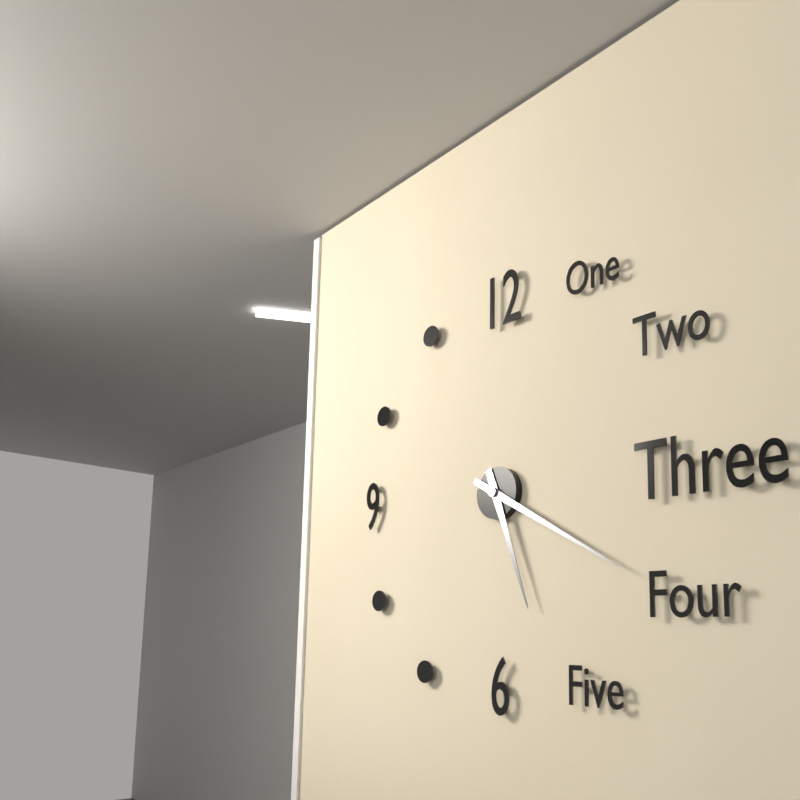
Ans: 5:20
